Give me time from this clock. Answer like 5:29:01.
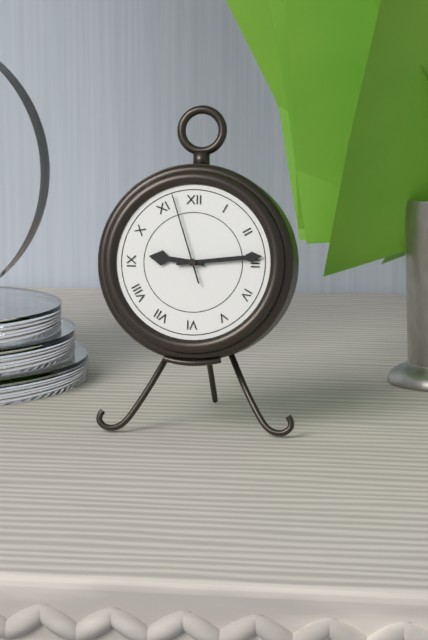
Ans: 9:14:57
